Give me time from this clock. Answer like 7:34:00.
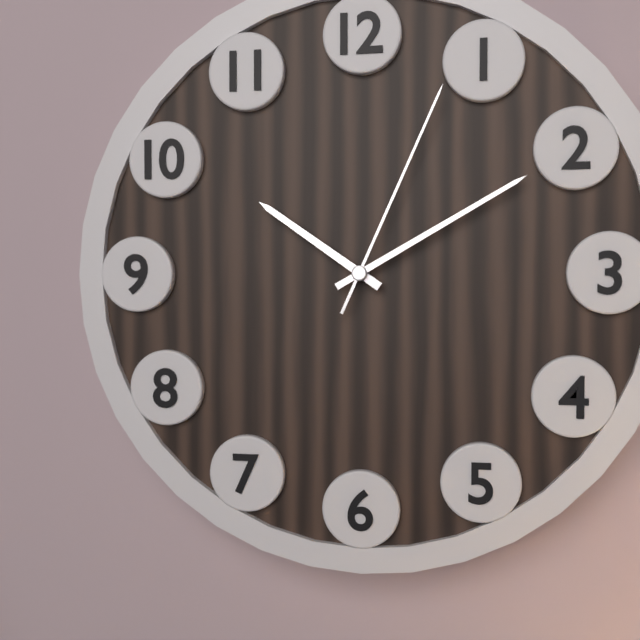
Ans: 10:10:04
